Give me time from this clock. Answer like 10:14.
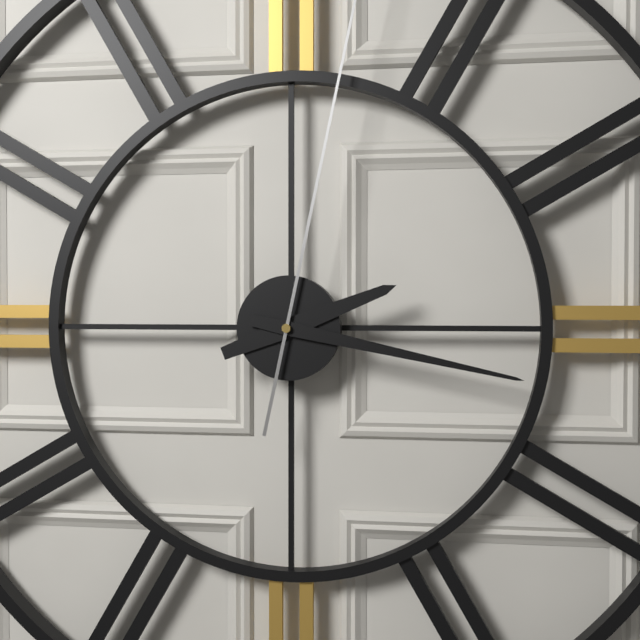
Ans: 2:17
